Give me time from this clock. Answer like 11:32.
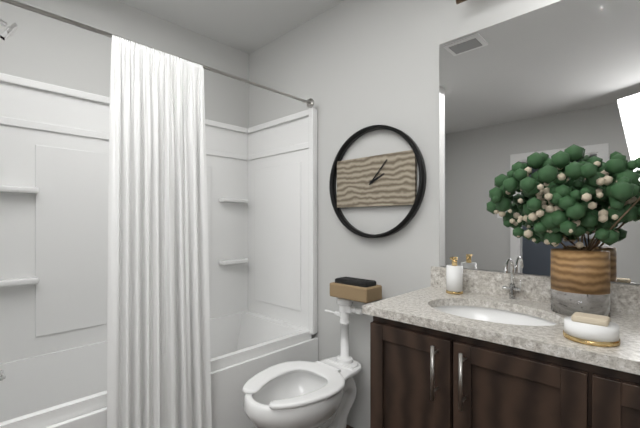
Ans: 2:07
